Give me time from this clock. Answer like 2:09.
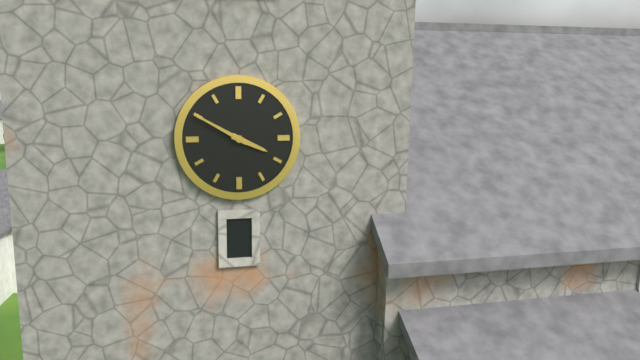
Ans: 3:50
